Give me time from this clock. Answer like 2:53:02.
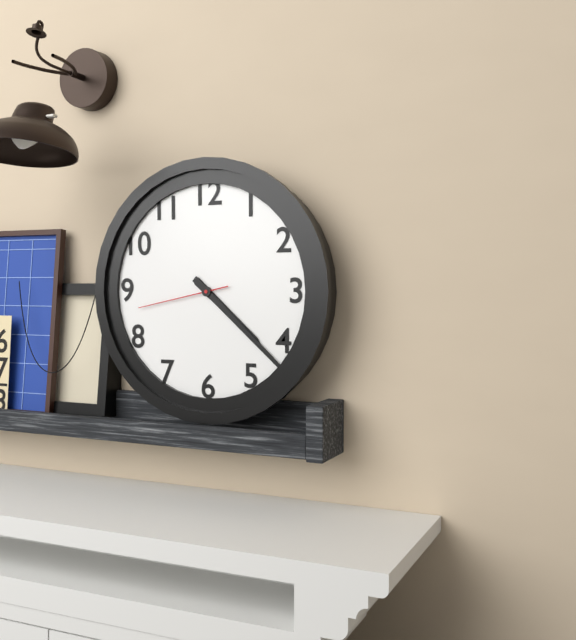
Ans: 4:22:43
